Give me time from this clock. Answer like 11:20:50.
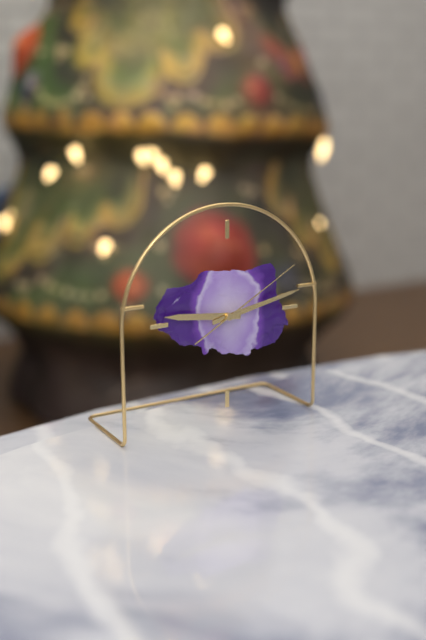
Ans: 9:13:10
